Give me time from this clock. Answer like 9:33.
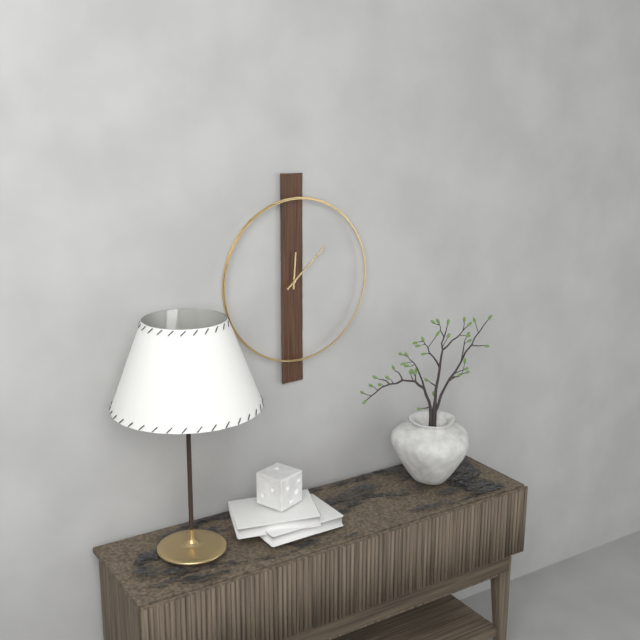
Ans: 12:08
